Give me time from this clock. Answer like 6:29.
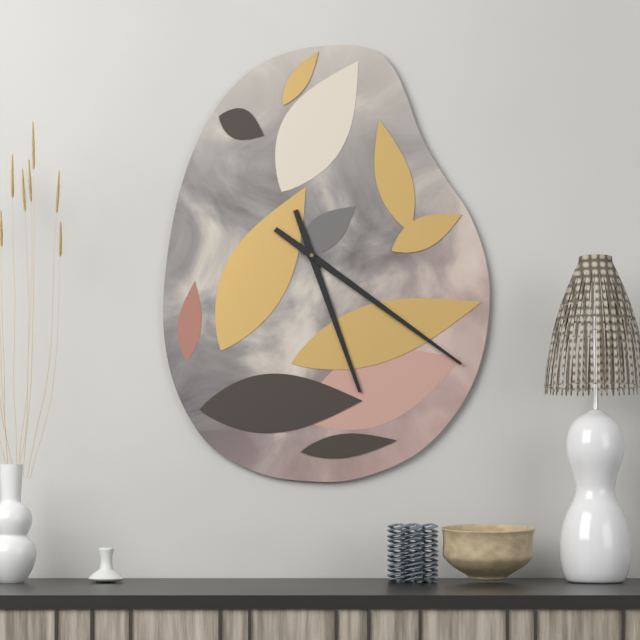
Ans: 5:21
